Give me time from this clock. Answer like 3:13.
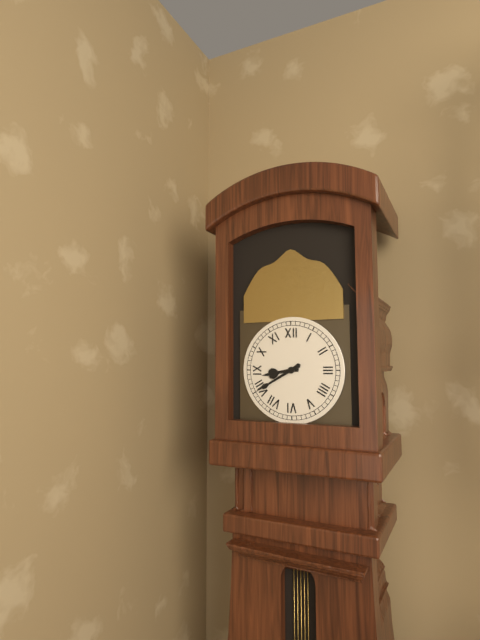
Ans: 8:40
